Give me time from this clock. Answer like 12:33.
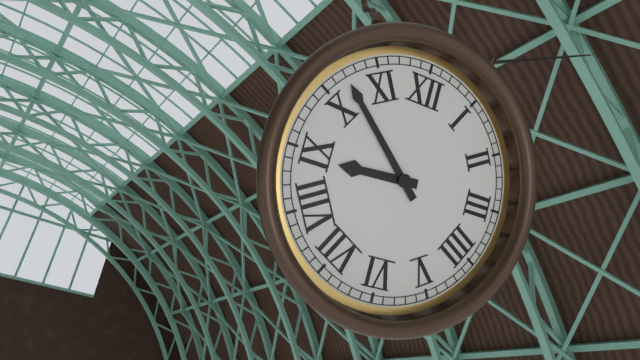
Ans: 8:52
